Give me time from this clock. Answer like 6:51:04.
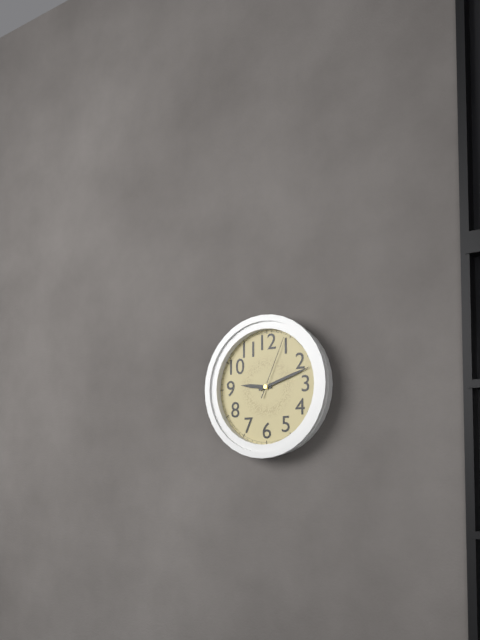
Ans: 9:12:04
